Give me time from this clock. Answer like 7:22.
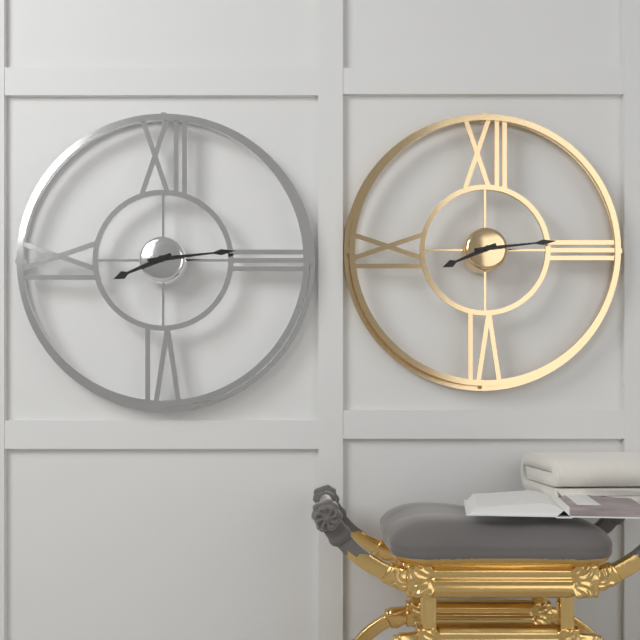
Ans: 8:14
